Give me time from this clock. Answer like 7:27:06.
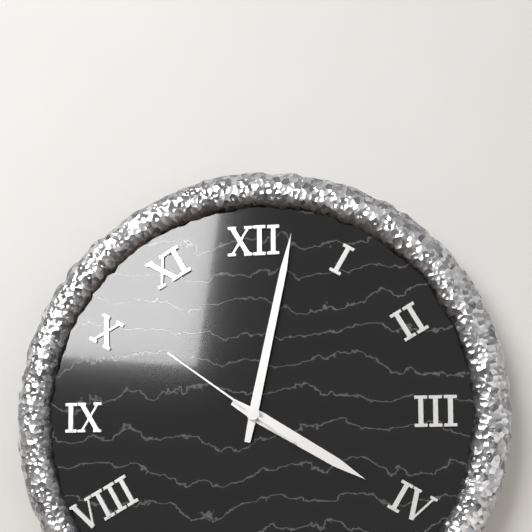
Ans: 4:02:51
